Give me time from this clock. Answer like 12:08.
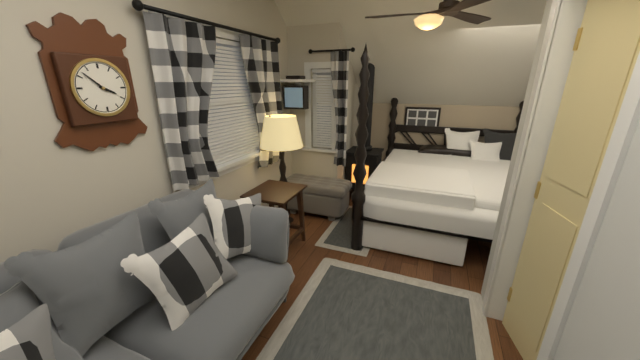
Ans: 3:52
